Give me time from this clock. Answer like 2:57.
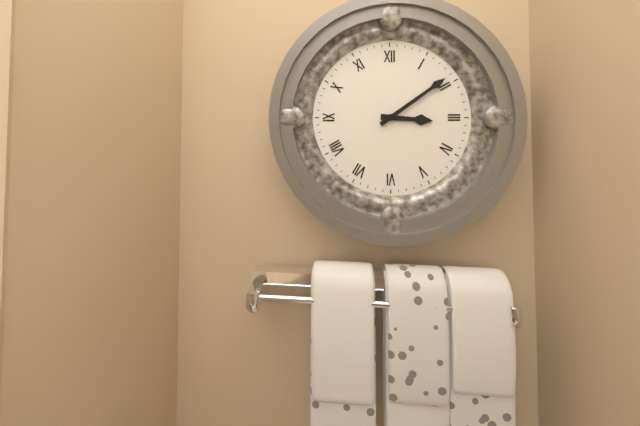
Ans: 3:09
